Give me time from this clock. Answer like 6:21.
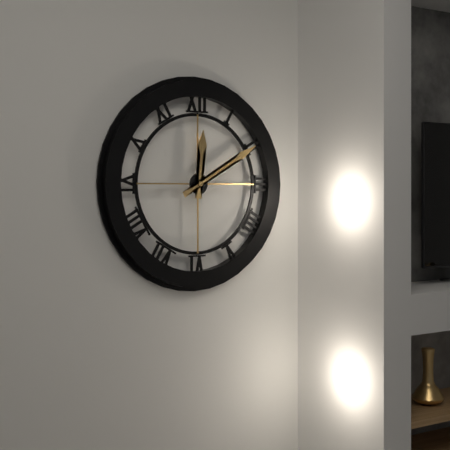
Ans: 12:10
